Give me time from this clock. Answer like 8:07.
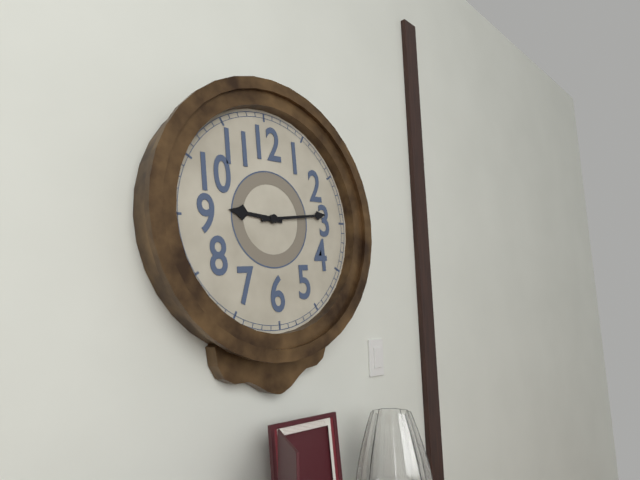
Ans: 9:14
